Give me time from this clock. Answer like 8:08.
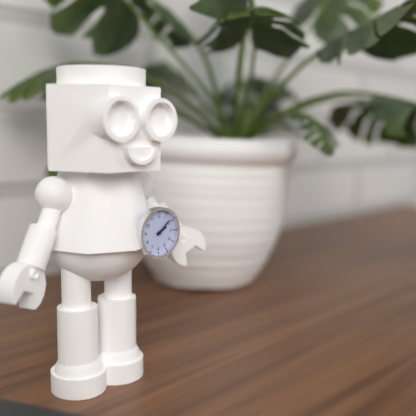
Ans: 2:08
